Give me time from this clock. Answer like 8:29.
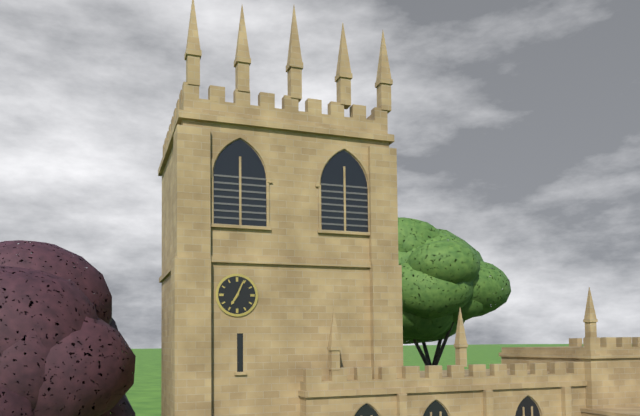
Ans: 7:04
